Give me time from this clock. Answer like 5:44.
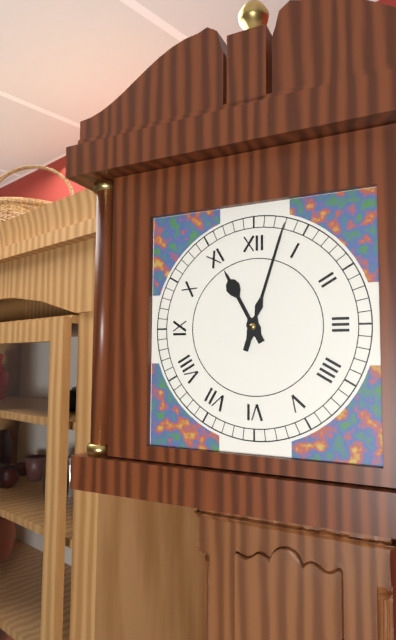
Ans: 11:03
